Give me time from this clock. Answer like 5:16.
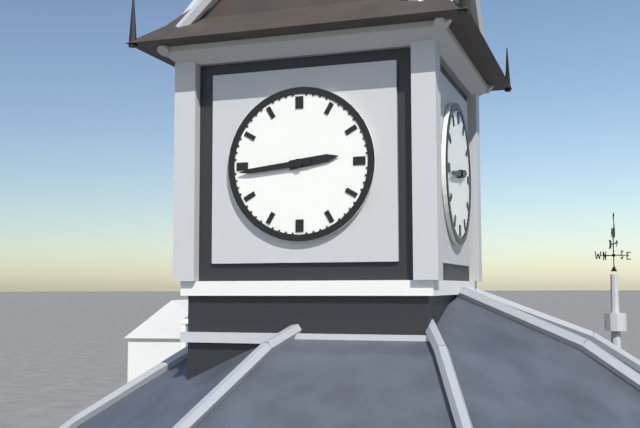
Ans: 2:44
